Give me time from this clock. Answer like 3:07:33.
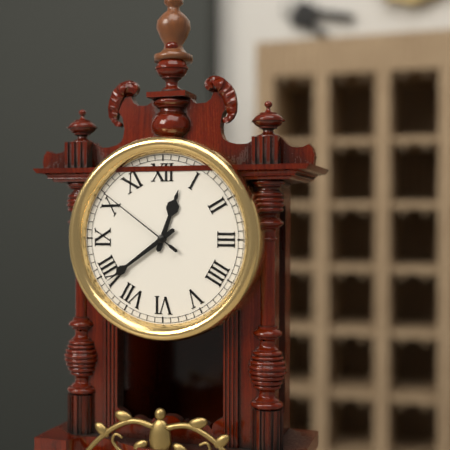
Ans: 12:39:51
